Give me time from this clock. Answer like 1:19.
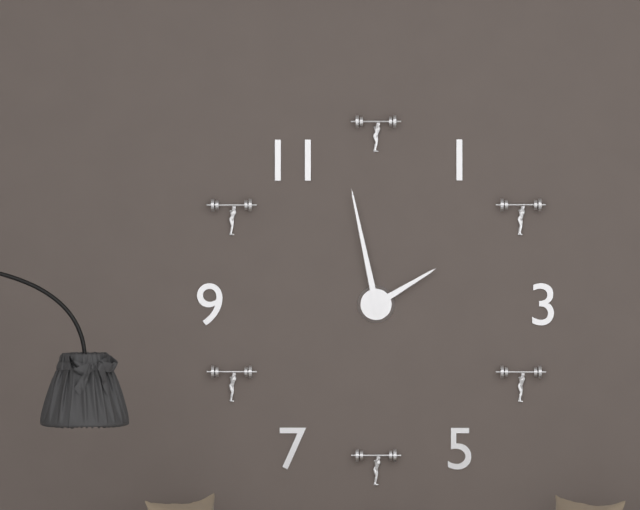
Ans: 1:58
